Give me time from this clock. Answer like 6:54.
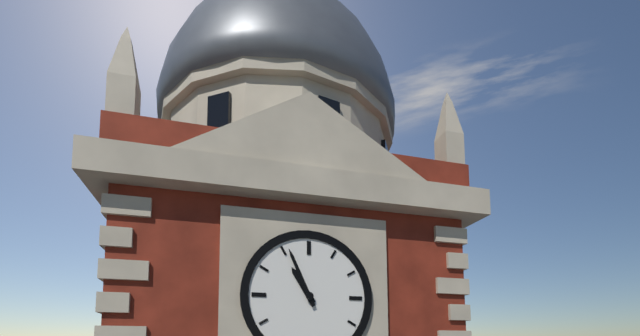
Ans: 10:56
